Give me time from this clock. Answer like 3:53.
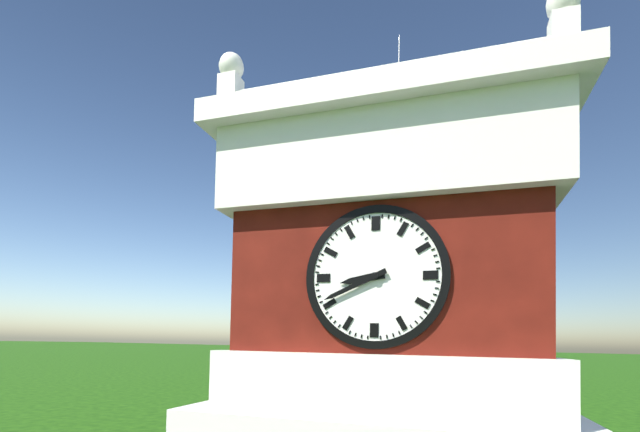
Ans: 8:41
